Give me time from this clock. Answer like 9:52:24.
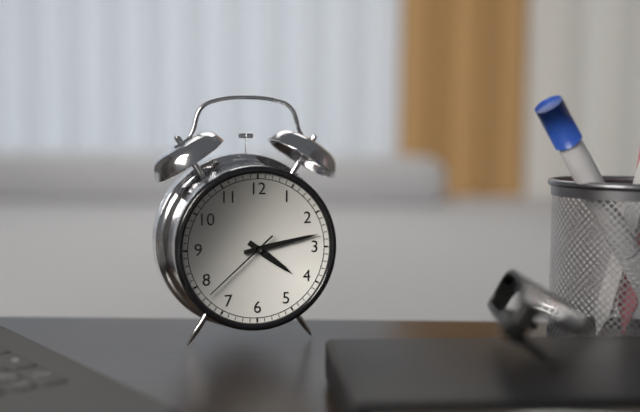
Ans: 4:13:38
